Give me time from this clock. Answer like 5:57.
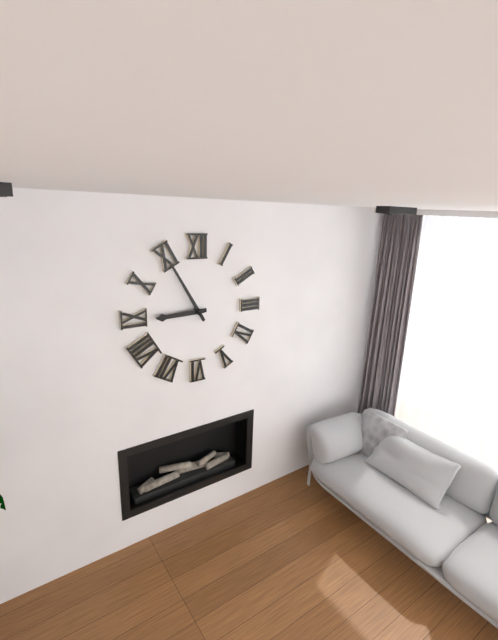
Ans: 8:55
